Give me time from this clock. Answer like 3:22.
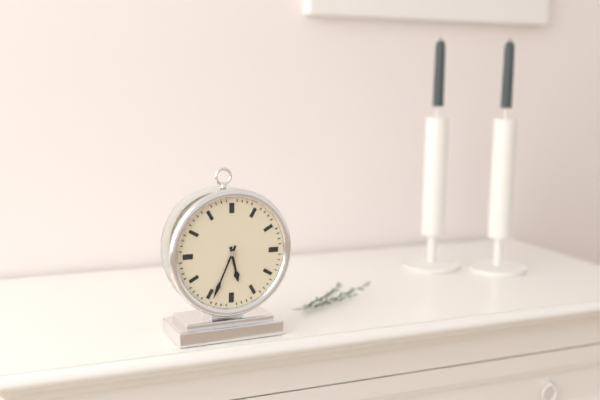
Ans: 5:34
